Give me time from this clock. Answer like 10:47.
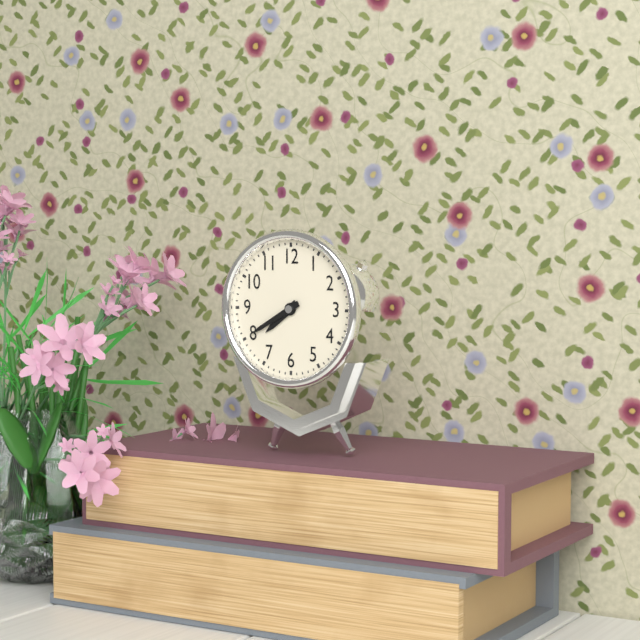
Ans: 7:40
